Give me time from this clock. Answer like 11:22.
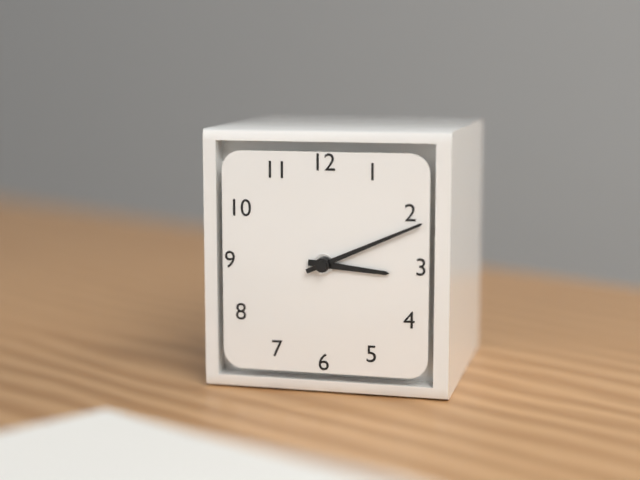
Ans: 3:11
